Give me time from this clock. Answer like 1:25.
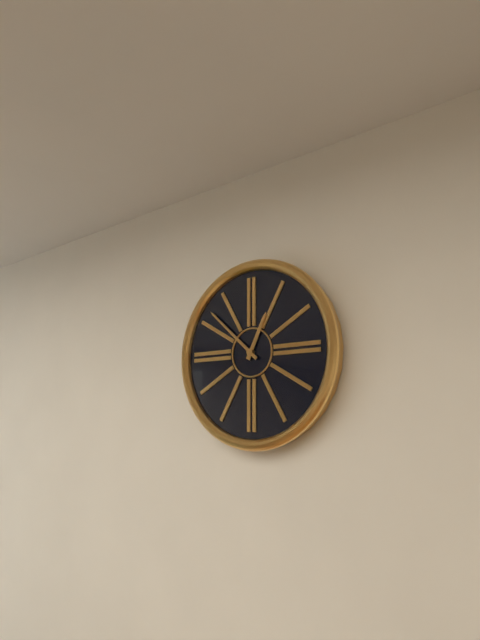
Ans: 12:52
